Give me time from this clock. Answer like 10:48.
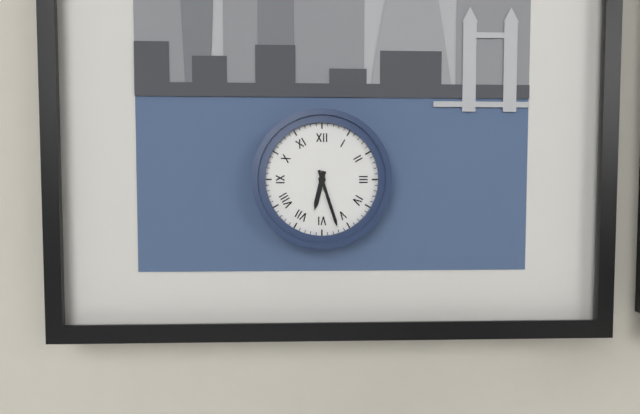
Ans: 6:27
